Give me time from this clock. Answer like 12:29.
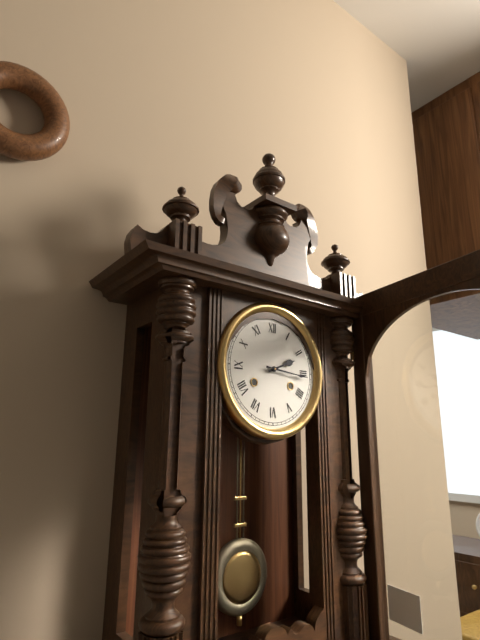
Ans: 2:16
